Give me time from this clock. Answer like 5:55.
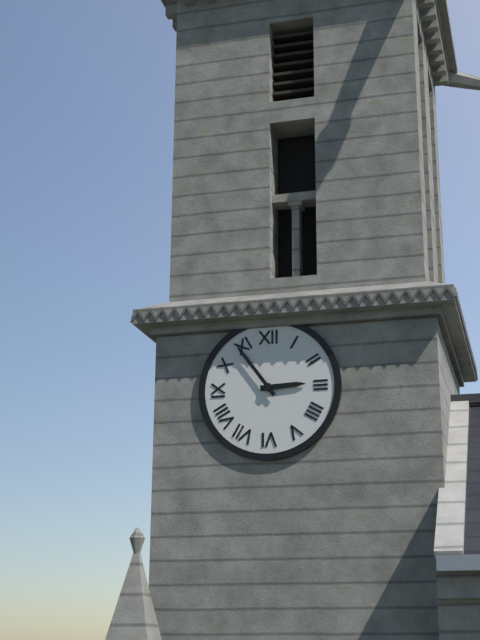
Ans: 2:54
